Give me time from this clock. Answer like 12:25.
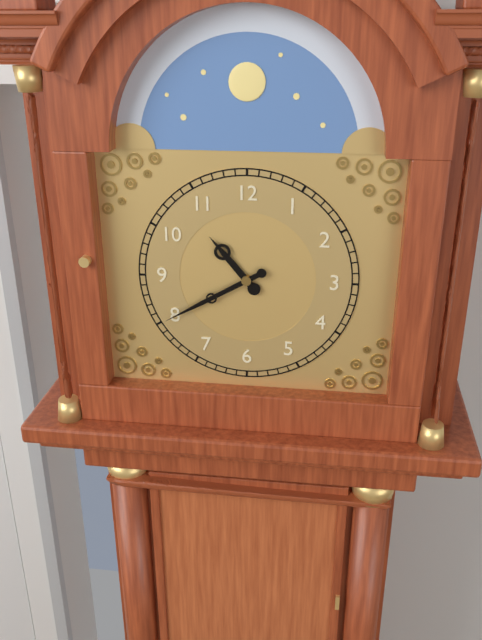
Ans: 10:40
